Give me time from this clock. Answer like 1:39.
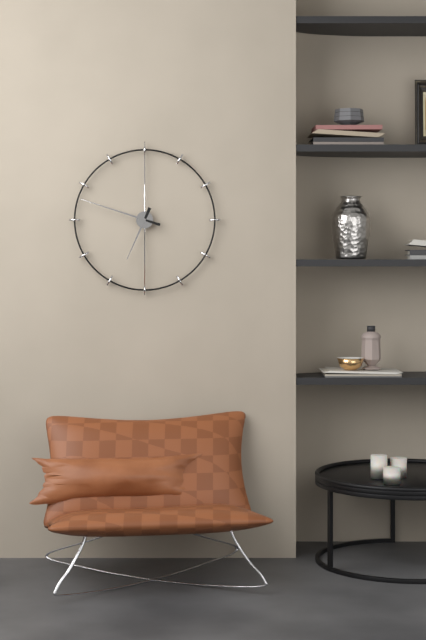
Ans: 6:48
